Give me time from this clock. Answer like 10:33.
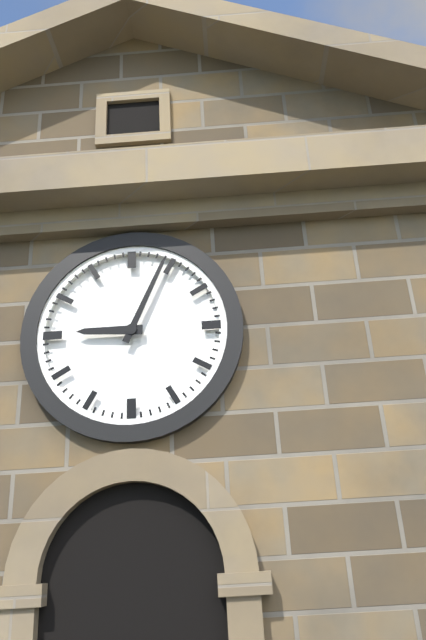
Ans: 9:04
